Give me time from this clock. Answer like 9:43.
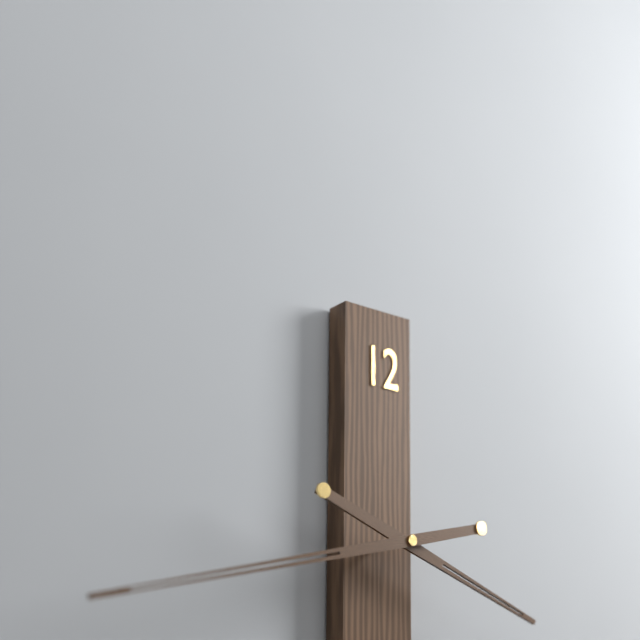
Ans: 3:43
